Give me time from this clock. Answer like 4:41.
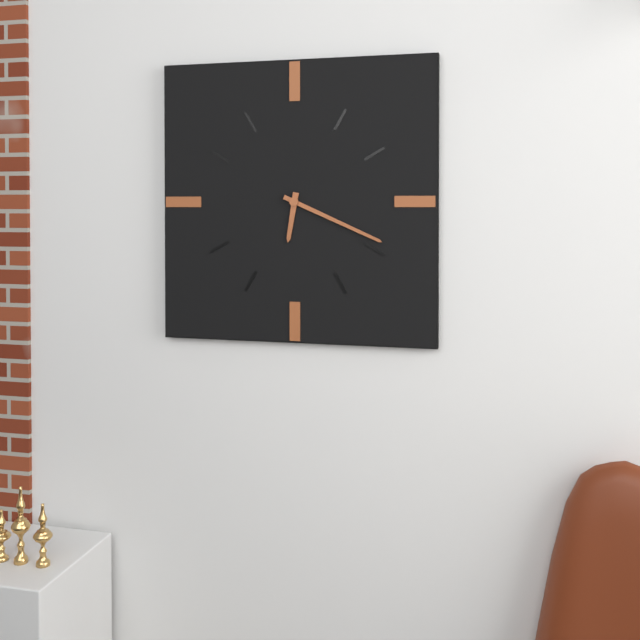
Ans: 6:19
